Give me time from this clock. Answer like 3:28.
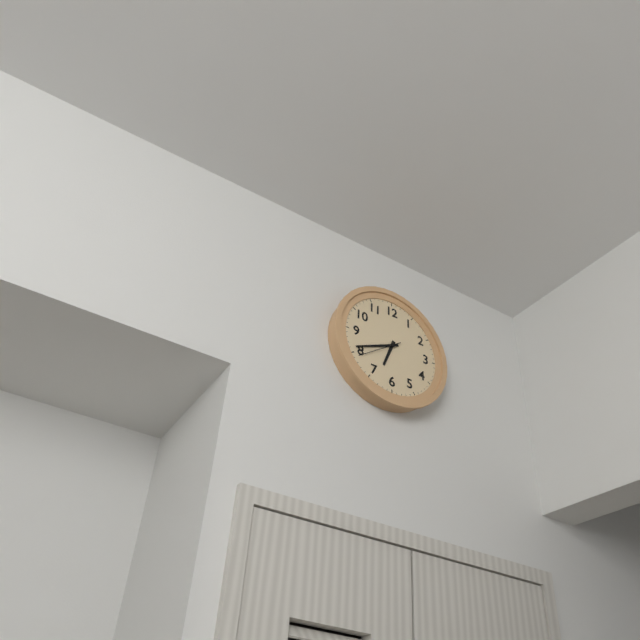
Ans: 6:41
